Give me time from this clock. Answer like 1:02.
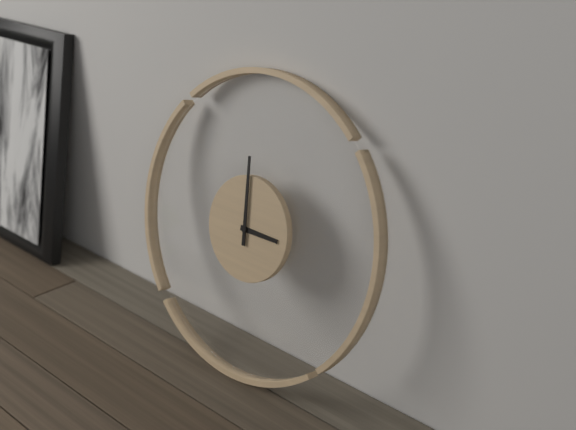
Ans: 2:59
